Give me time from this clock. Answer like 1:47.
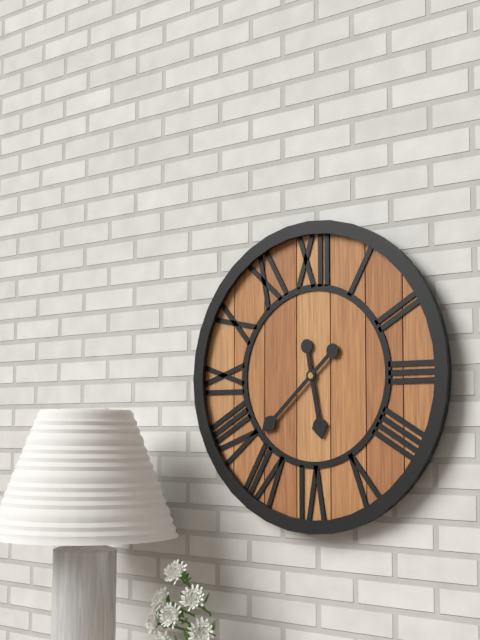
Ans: 5:38
